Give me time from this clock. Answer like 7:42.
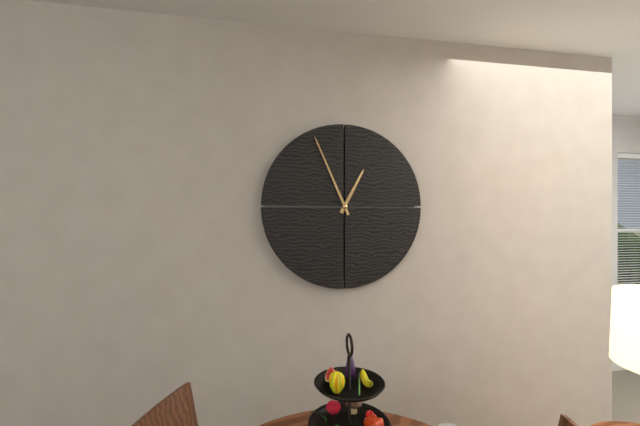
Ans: 12:56
